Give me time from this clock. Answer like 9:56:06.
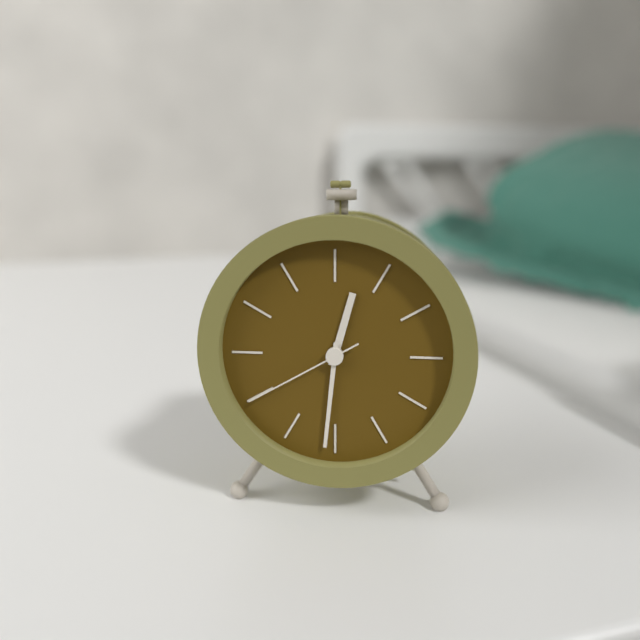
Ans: 12:31:40
